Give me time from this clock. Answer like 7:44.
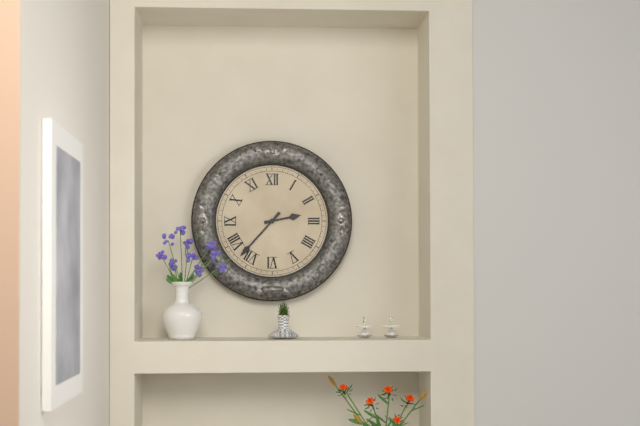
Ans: 2:37
